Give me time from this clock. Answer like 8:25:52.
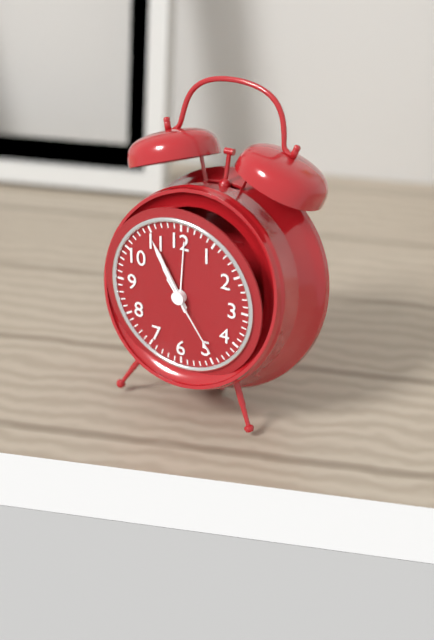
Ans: 10:55:24
